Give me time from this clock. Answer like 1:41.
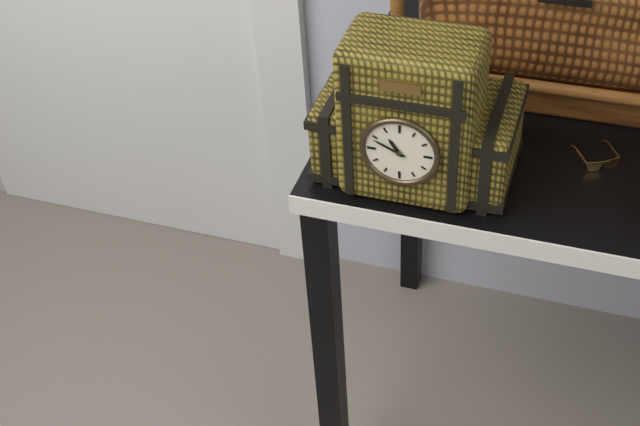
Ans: 10:49
